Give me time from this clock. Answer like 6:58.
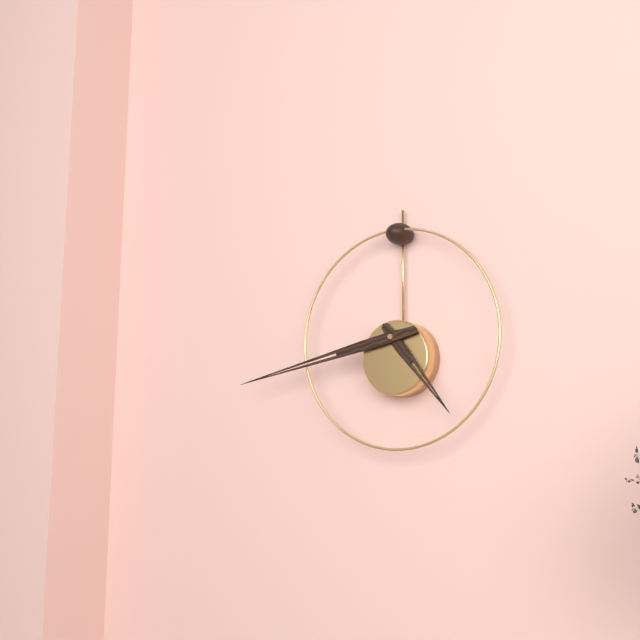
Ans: 4:43
